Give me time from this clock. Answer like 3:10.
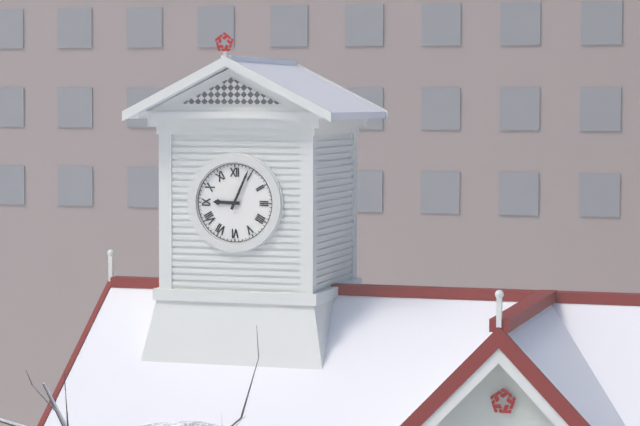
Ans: 9:04
